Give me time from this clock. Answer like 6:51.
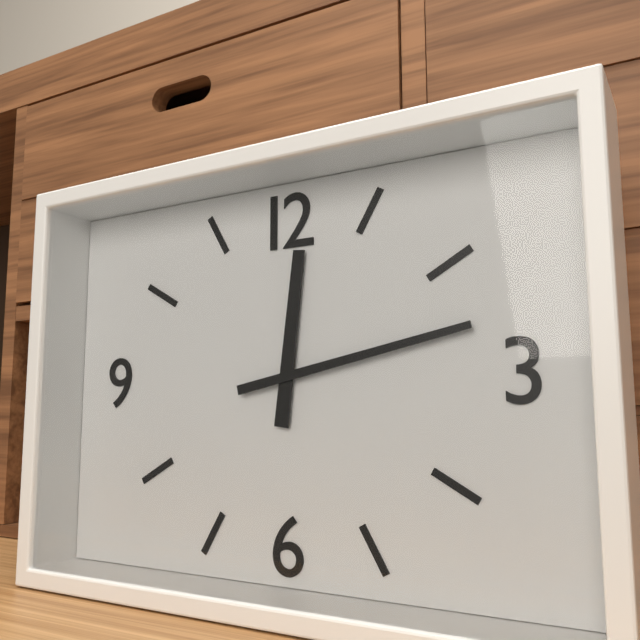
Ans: 12:13
